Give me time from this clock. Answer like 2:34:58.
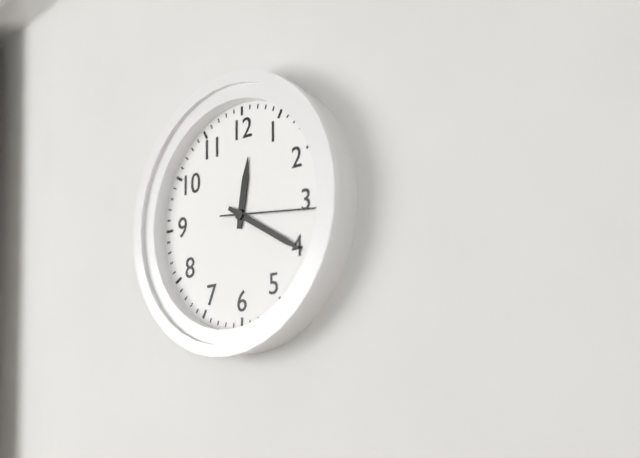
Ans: 12:20:16
